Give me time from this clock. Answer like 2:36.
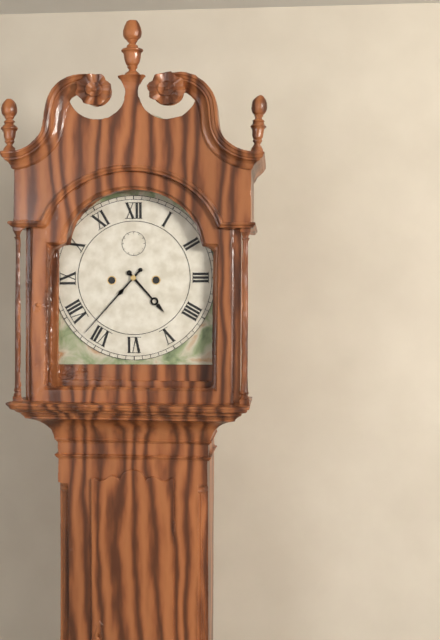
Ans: 4:37
